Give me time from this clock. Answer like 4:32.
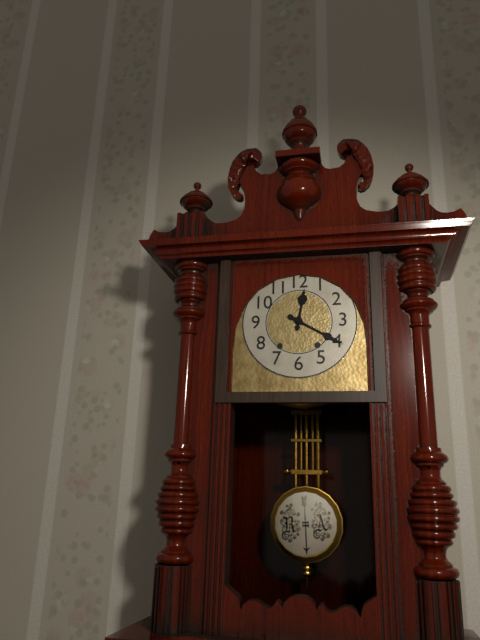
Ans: 12:20
